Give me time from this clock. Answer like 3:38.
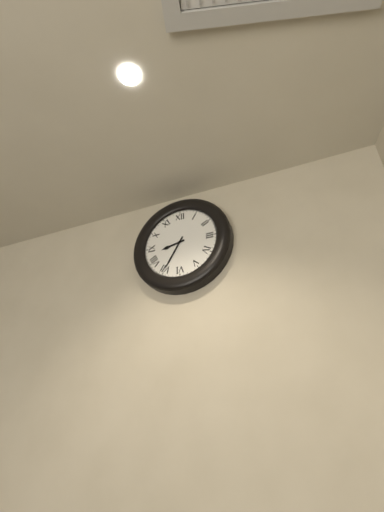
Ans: 8:35
